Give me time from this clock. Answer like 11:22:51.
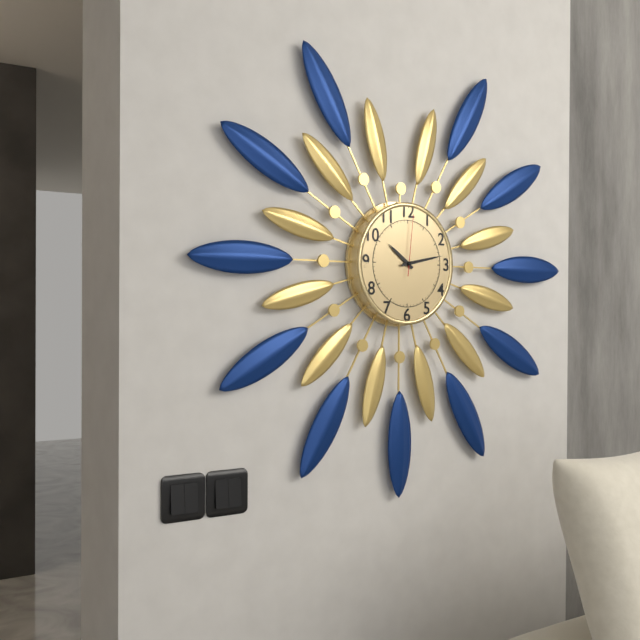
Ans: 10:13:01
